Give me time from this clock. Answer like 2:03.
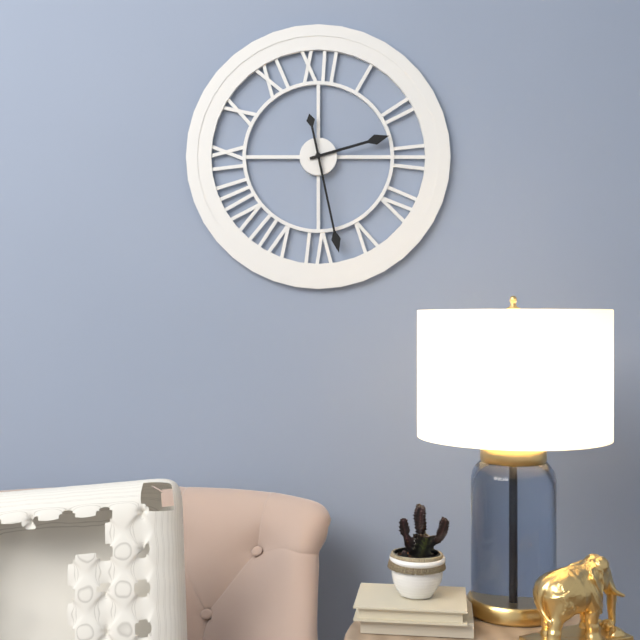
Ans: 2:28
